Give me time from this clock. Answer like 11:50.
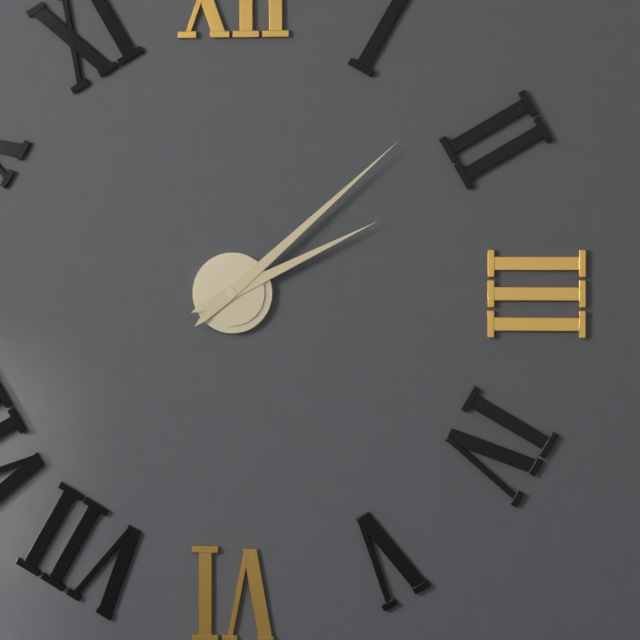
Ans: 2:08
